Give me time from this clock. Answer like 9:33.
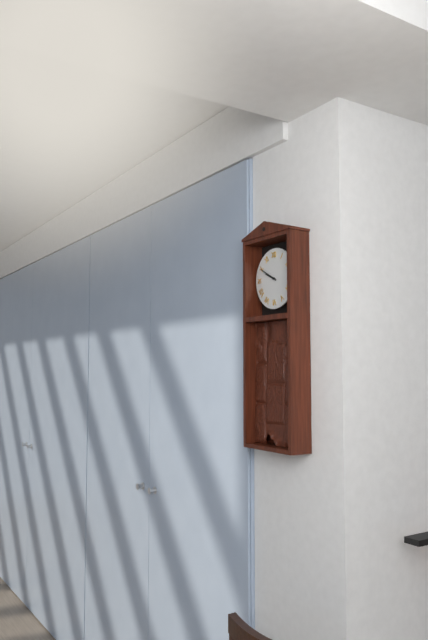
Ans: 9:50
